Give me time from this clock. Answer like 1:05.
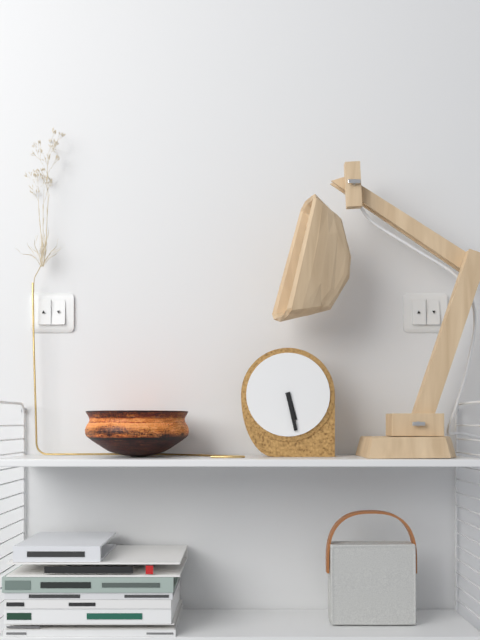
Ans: 5:28
